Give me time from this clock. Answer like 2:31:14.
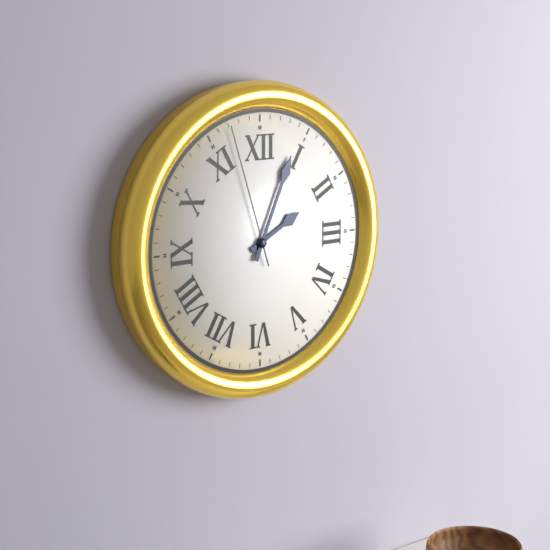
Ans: 2:04:57
